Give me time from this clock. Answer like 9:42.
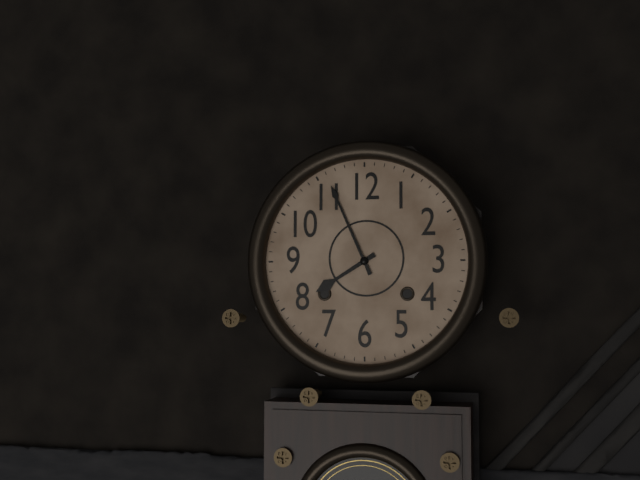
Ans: 7:56
